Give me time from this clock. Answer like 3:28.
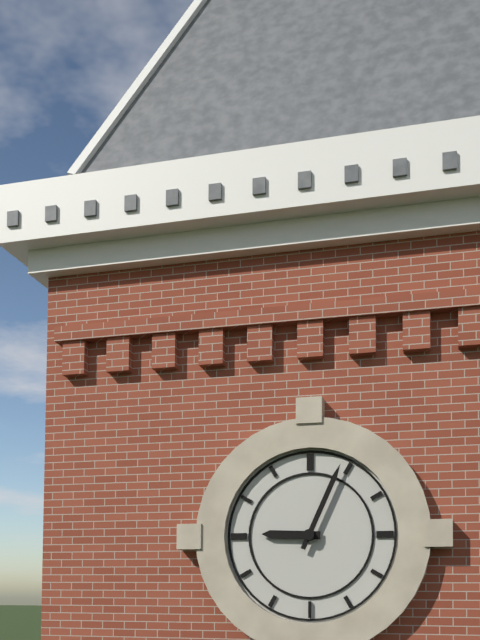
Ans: 9:04
